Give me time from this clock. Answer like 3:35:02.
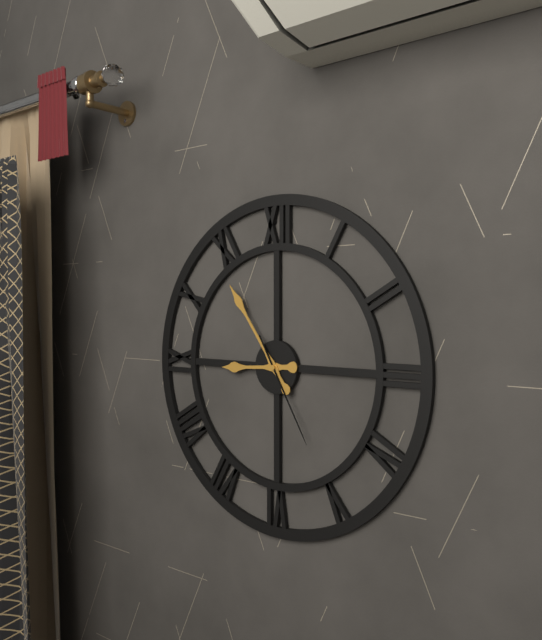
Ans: 8:54:25
